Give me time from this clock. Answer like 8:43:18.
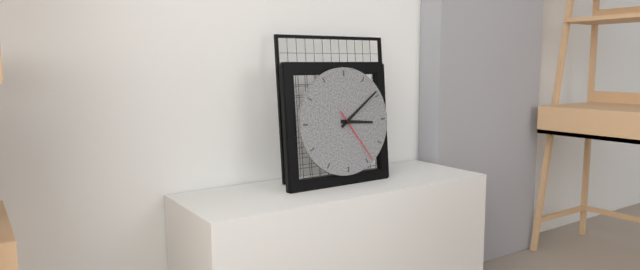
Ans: 3:09:24
